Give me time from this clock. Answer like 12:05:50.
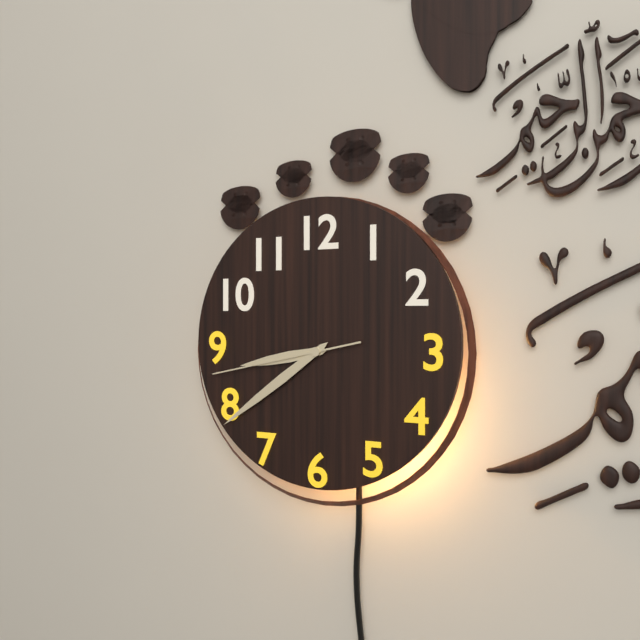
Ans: 8:39:43
